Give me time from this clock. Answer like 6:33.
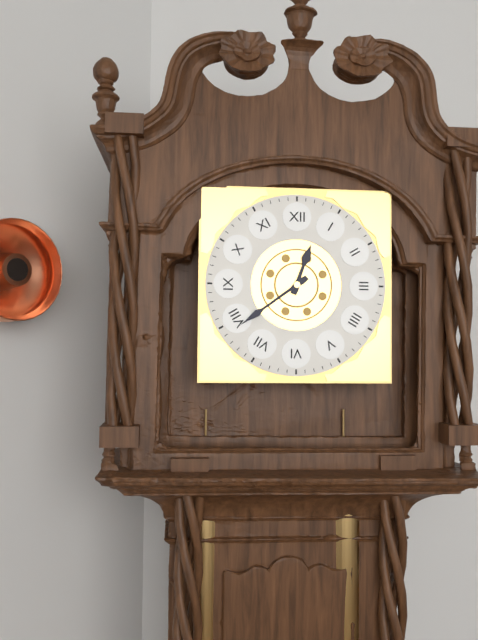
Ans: 12:39
